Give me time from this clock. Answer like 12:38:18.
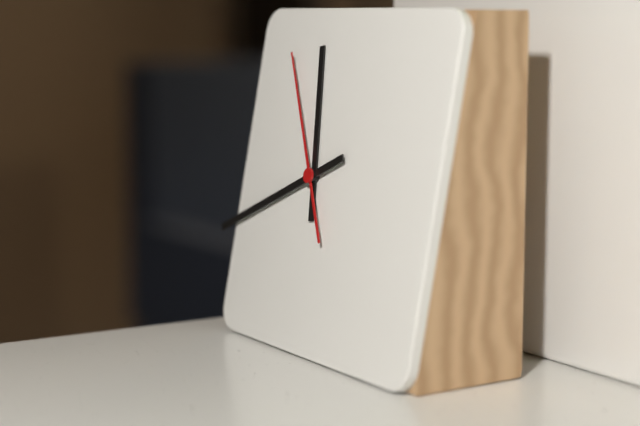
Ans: 11:41:55
